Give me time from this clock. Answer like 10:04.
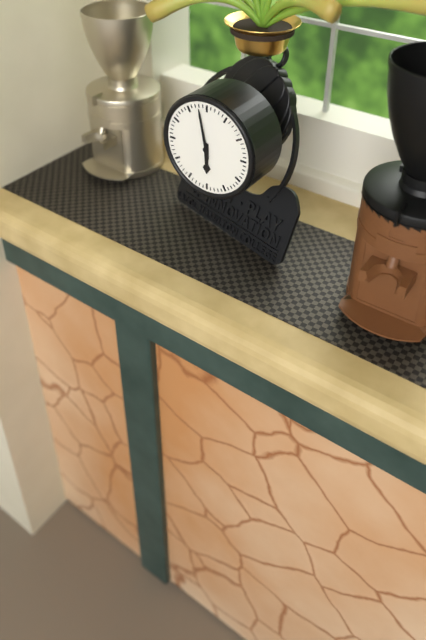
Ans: 5:58
